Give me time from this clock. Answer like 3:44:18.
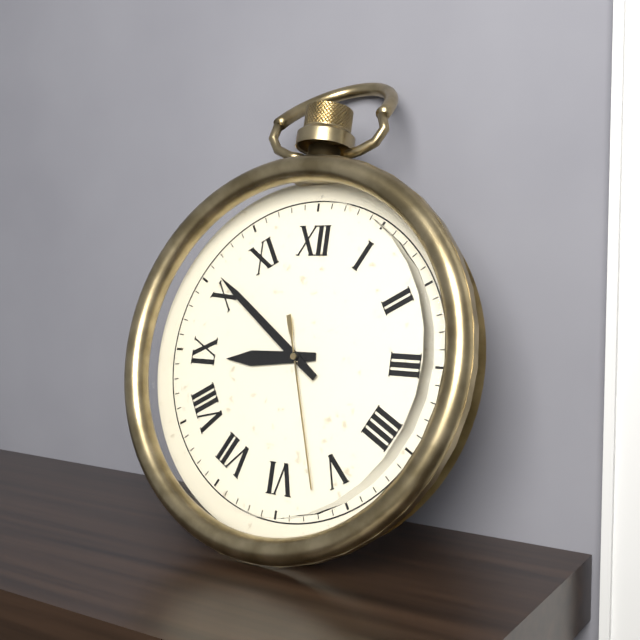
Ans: 8:51:27
